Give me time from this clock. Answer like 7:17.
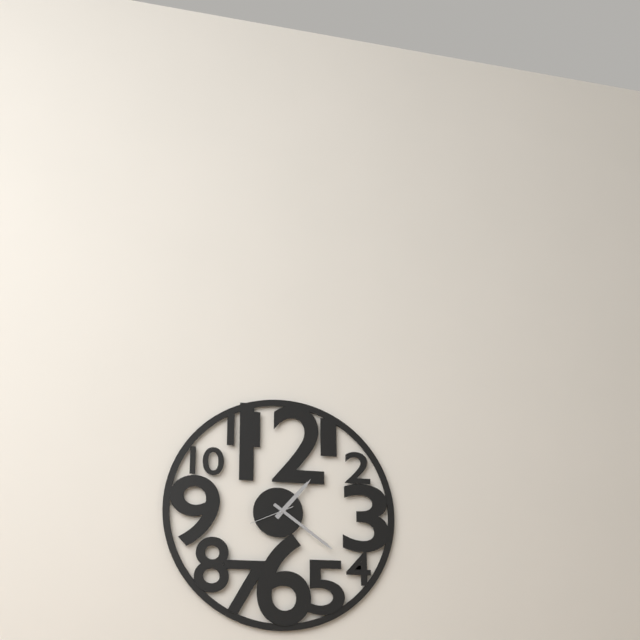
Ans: 1:21
